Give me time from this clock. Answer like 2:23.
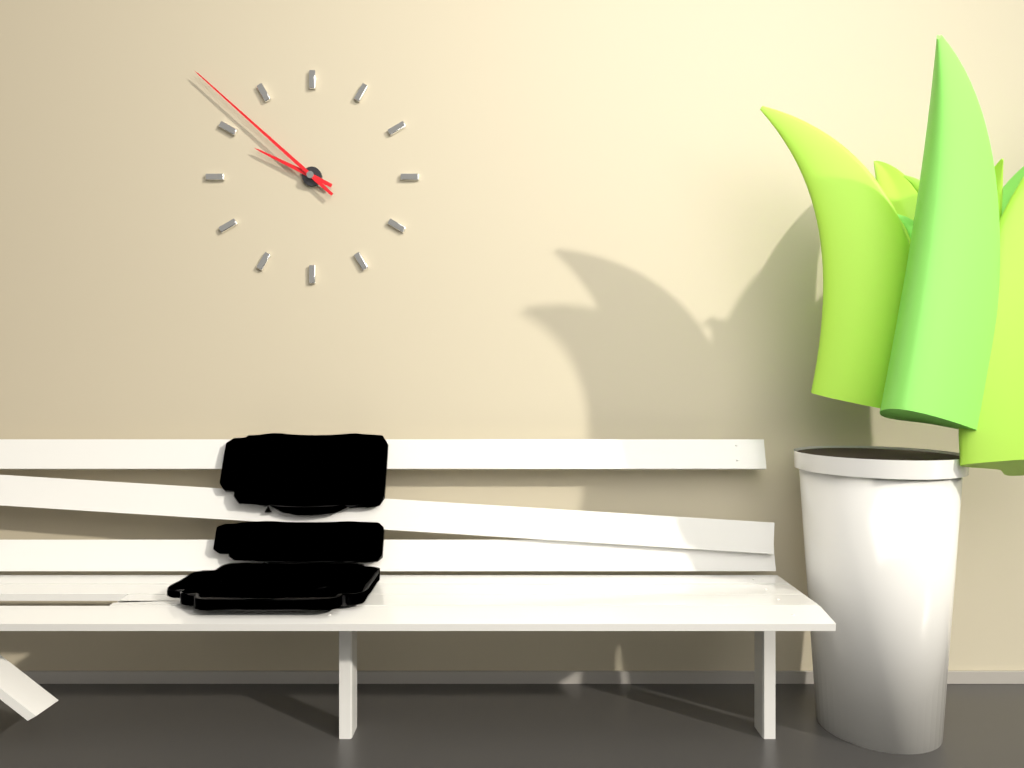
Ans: 9:52
